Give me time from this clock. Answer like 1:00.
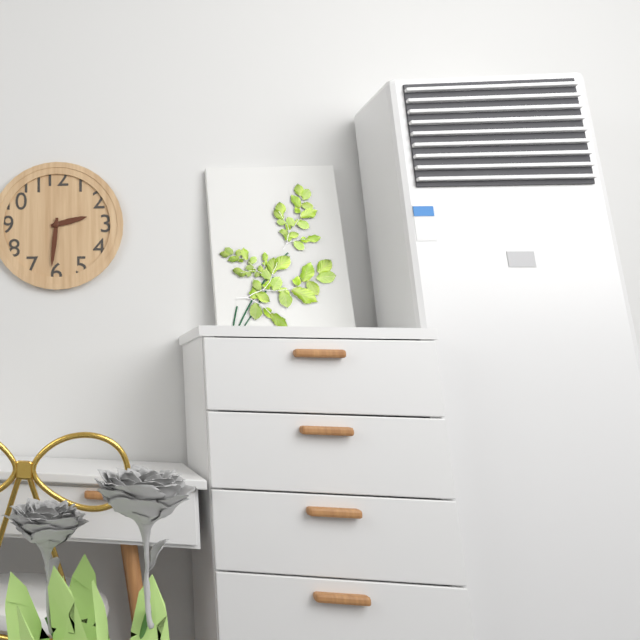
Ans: 2:31
